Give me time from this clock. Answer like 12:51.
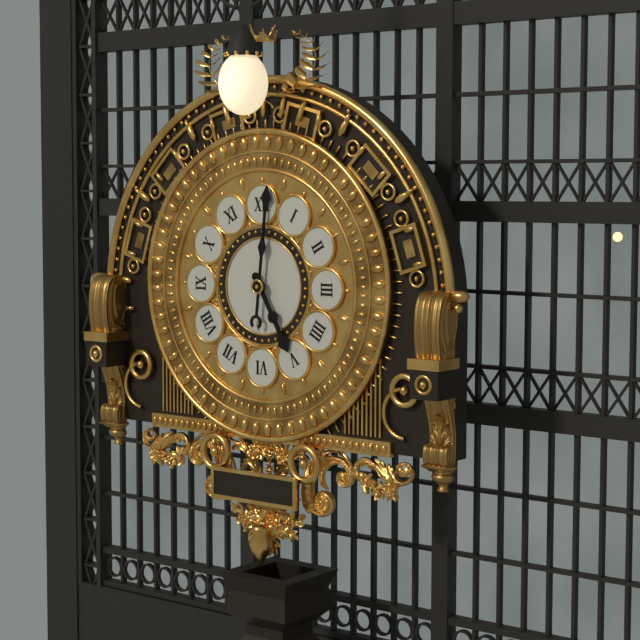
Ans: 5:01
